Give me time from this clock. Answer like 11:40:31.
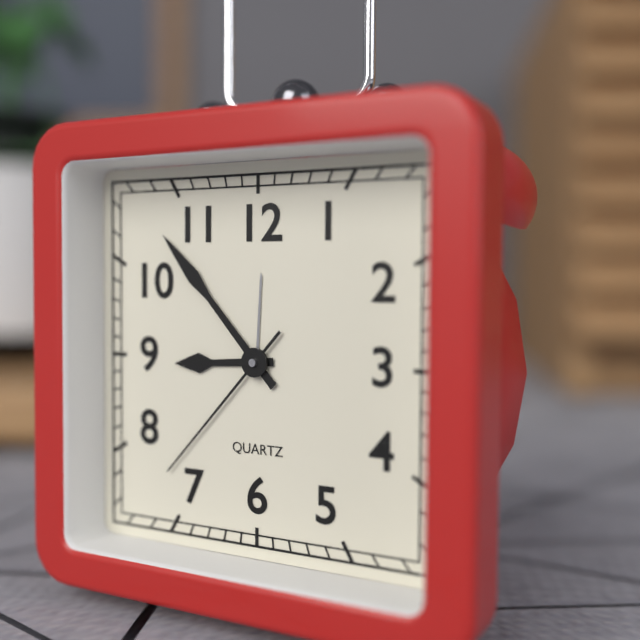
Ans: 8:53:37
